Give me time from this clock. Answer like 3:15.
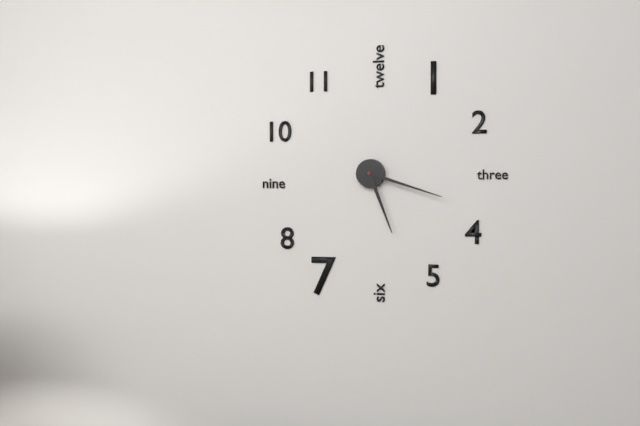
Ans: 5:18
